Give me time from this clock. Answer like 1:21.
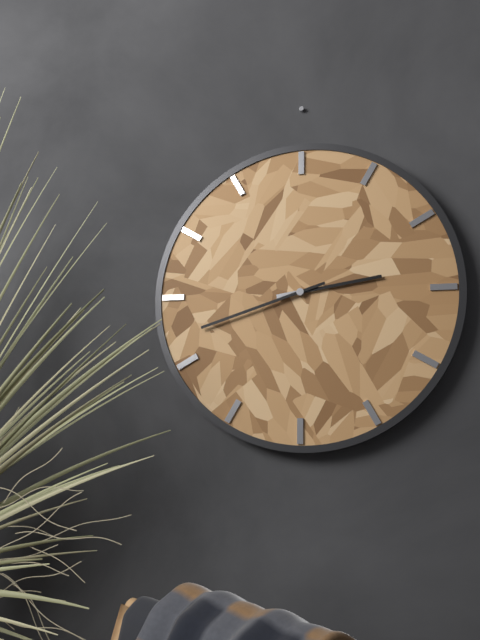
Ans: 2:42
